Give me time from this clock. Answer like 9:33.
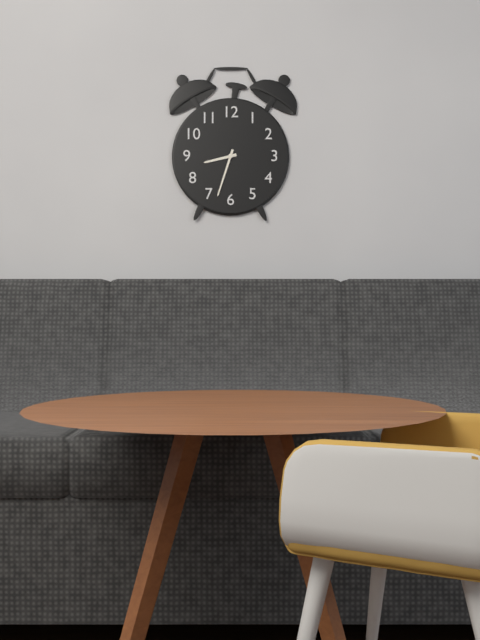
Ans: 8:33
